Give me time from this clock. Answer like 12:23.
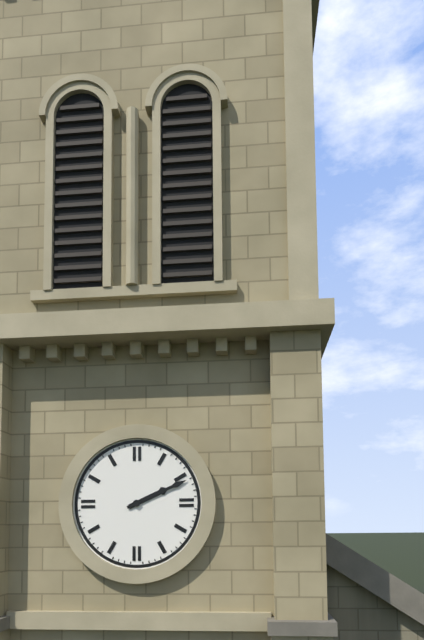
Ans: 2:11
